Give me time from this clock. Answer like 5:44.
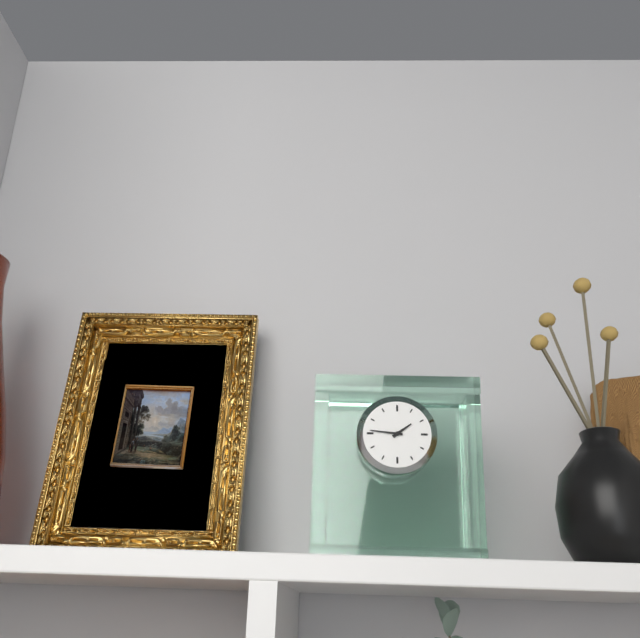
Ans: 1:46
